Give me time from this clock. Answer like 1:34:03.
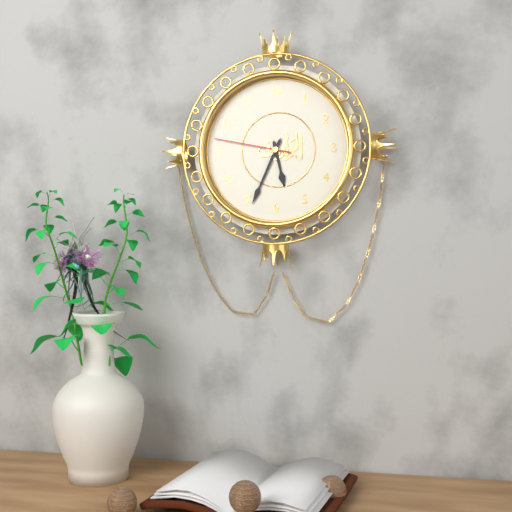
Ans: 5:34:47
